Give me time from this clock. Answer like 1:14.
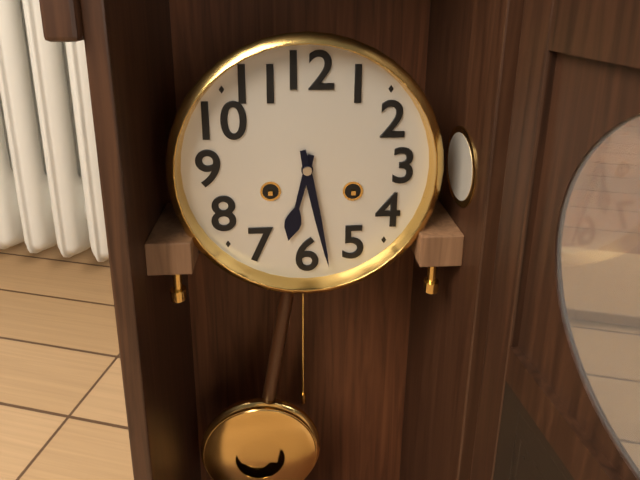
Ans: 6:28
